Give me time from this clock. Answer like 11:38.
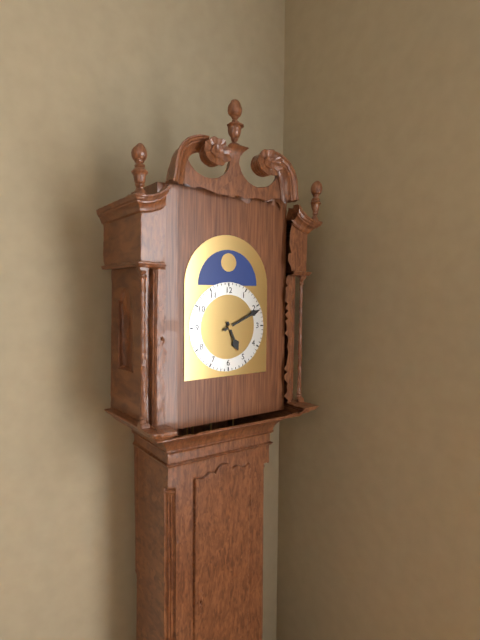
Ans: 5:11
